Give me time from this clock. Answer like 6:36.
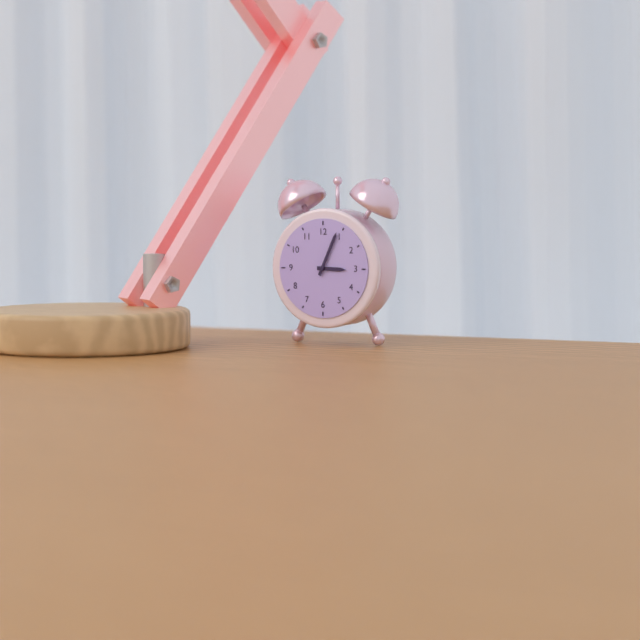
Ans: 3:04
